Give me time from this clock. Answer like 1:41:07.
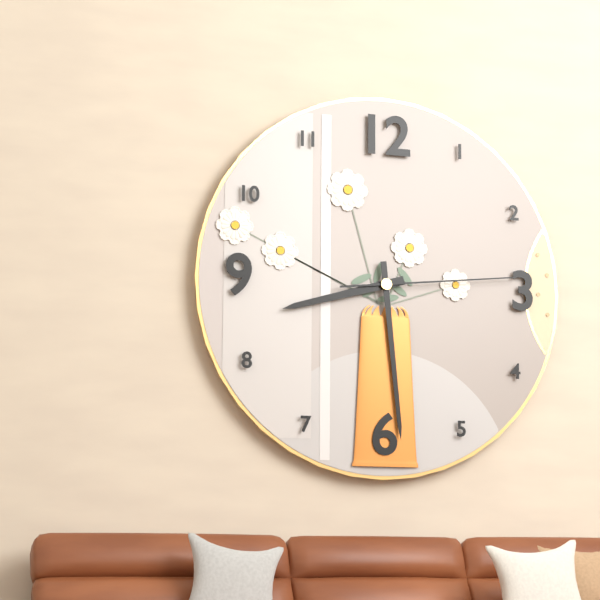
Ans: 8:29:14
